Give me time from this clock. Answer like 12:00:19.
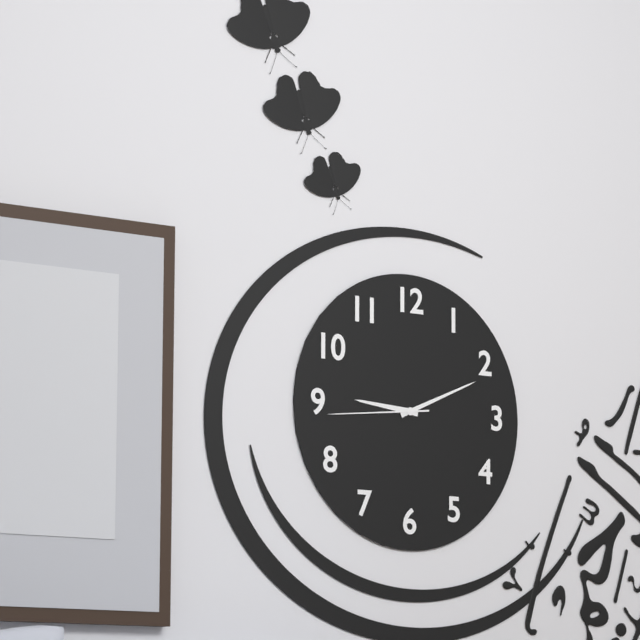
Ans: 9:11:44
